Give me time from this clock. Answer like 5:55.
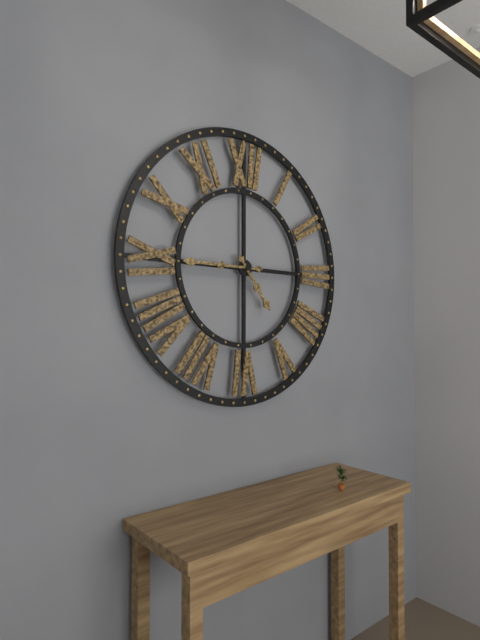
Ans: 4:45
